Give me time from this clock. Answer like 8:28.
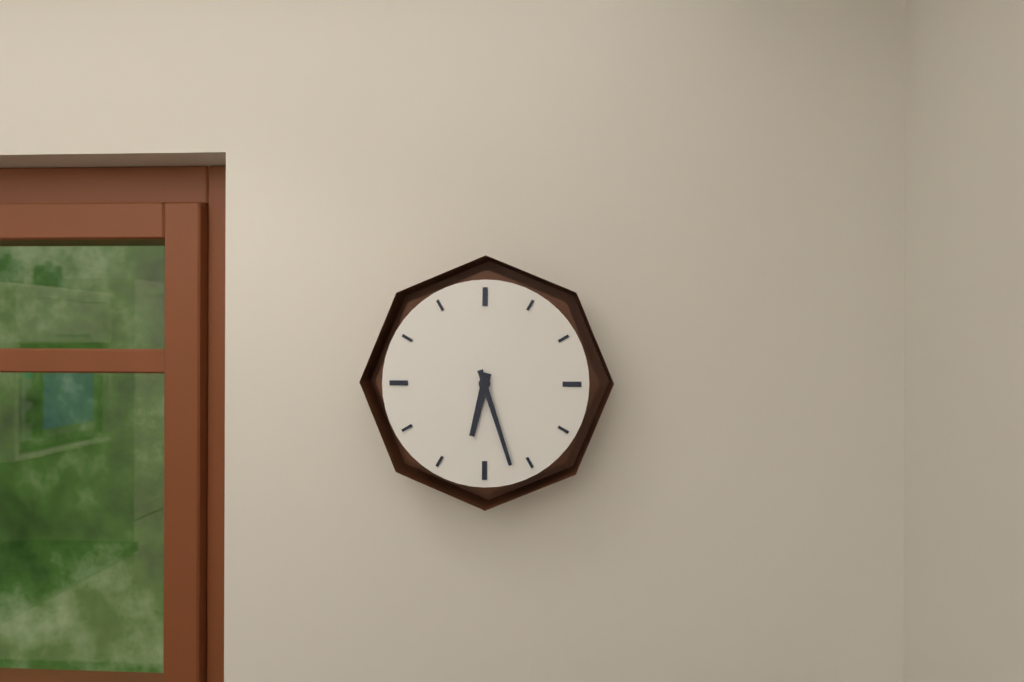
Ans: 6:27
